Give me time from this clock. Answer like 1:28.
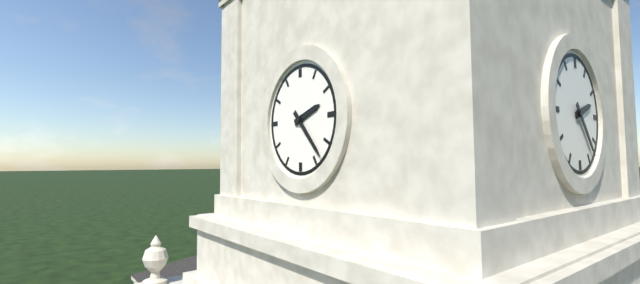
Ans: 2:23
